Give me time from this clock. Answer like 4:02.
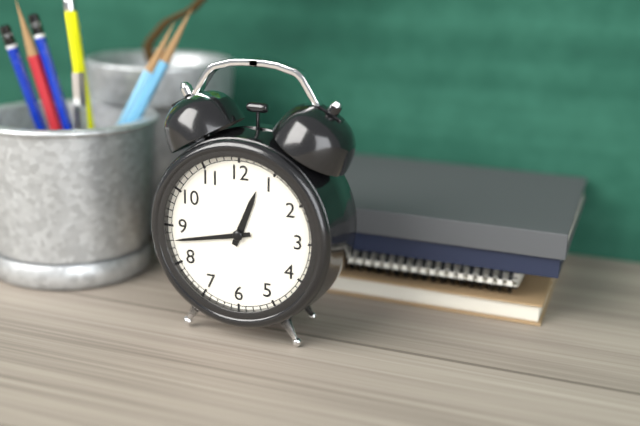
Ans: 12:43
